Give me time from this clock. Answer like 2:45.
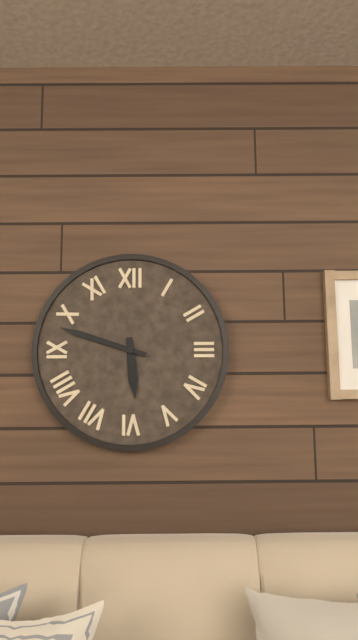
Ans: 5:48
